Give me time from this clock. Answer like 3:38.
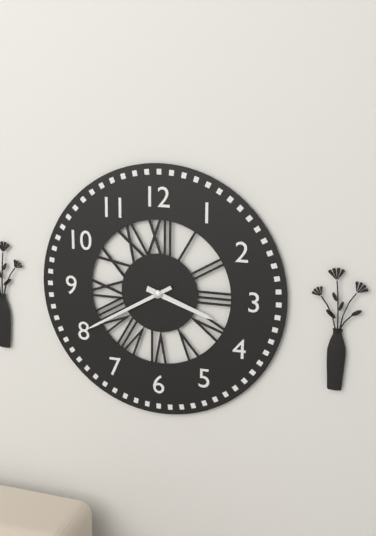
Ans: 3:40
